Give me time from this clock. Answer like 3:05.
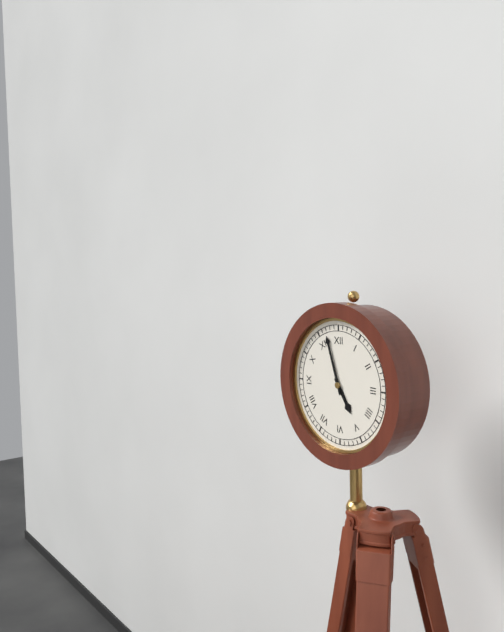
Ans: 4:57
